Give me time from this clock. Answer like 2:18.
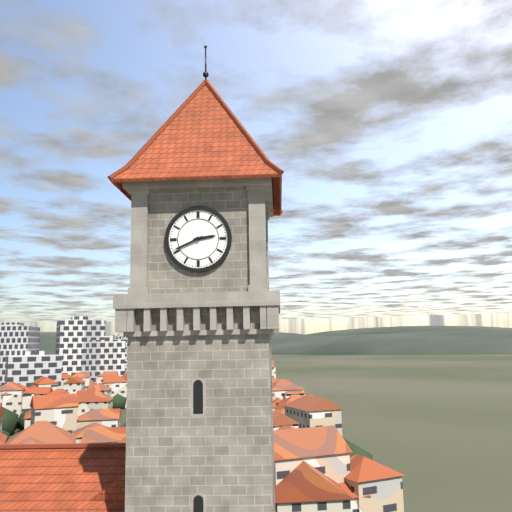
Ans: 2:41
